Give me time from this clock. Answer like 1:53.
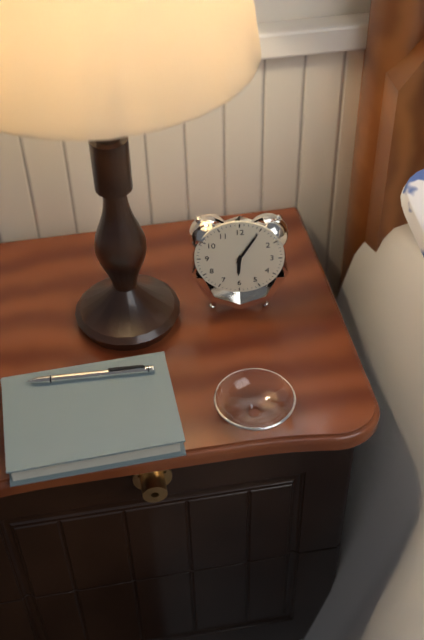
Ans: 6:05
